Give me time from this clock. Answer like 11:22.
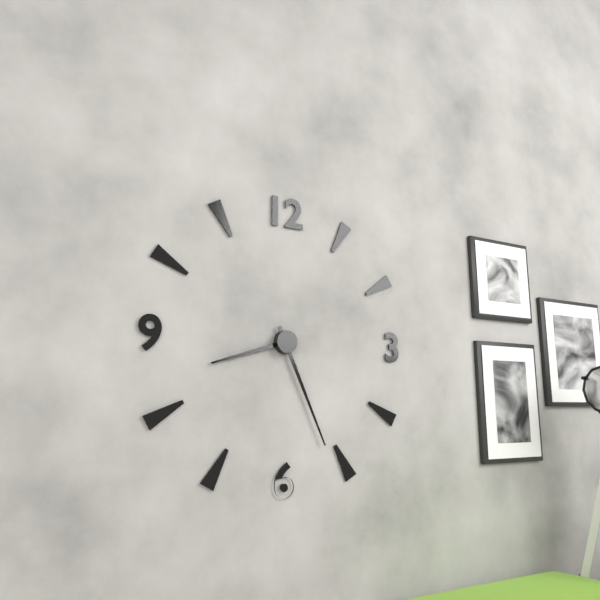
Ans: 8:26
